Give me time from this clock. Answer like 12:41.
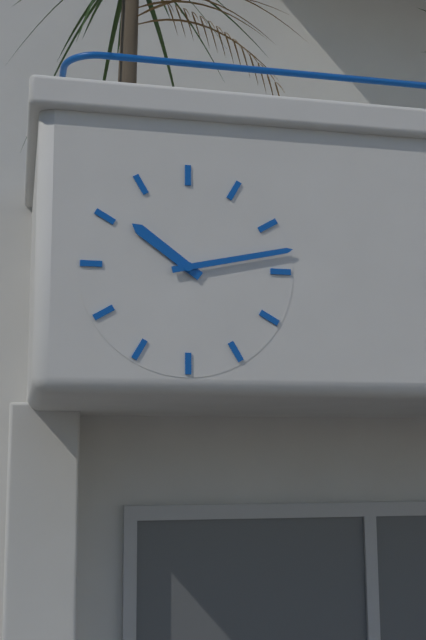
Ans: 10:13
